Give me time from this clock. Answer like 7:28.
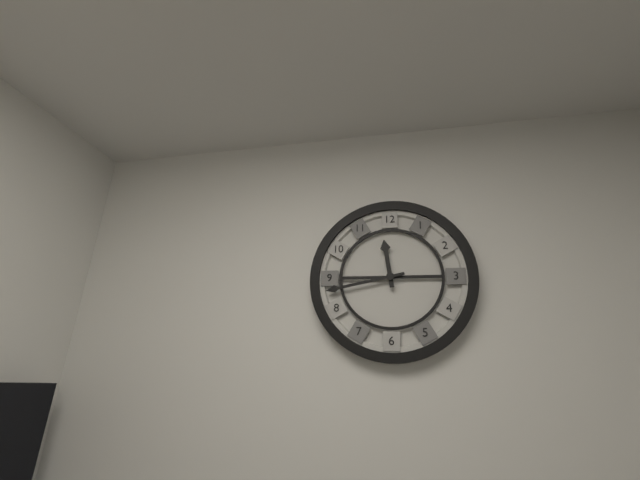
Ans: 11:43
